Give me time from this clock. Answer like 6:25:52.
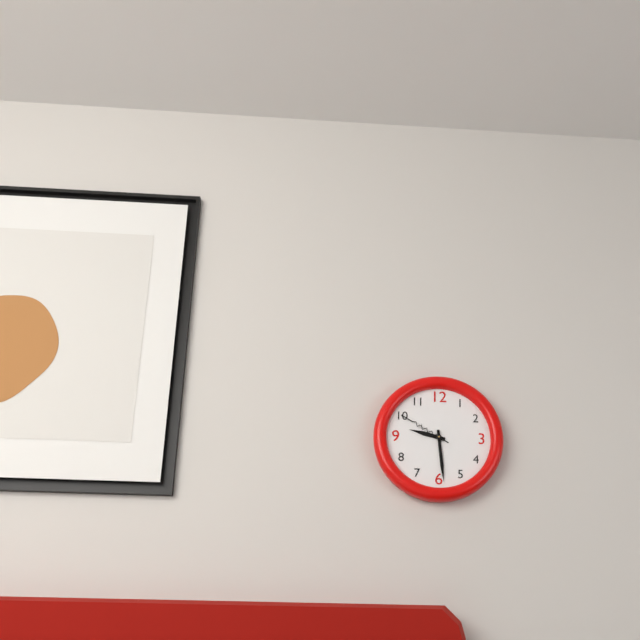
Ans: 9:29:50
